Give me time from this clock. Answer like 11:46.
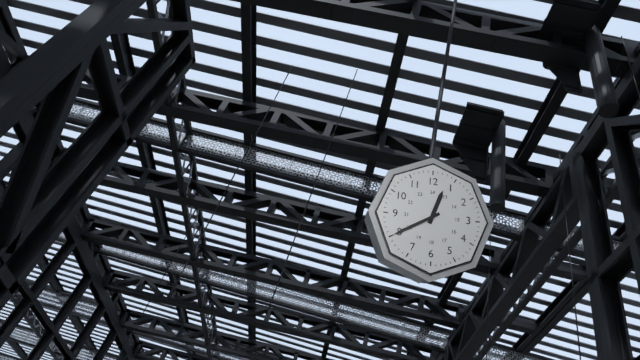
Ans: 12:40
